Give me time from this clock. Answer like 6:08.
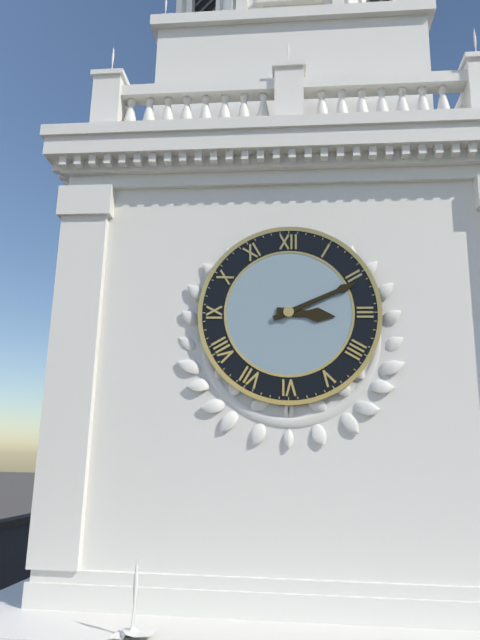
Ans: 3:11
